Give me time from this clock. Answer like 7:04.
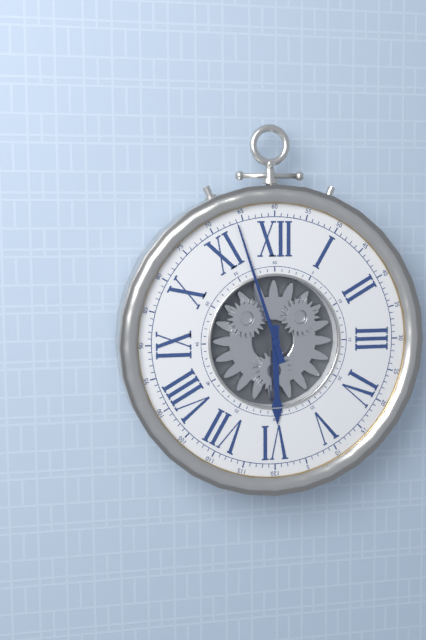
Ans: 5:57
